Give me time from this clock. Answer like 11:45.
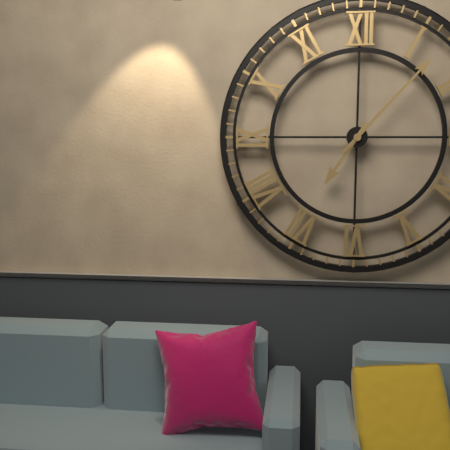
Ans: 7:07
